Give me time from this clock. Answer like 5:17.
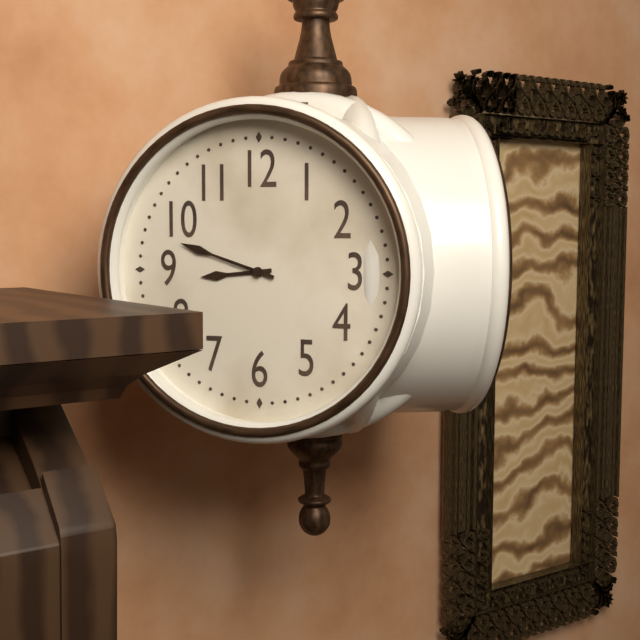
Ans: 8:48
